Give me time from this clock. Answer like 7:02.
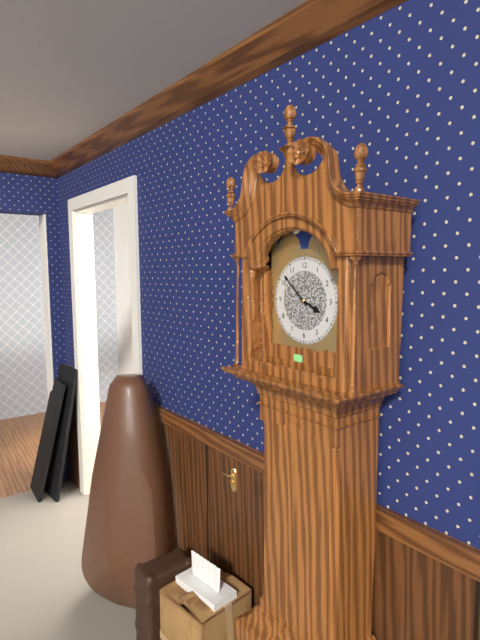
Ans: 3:52
